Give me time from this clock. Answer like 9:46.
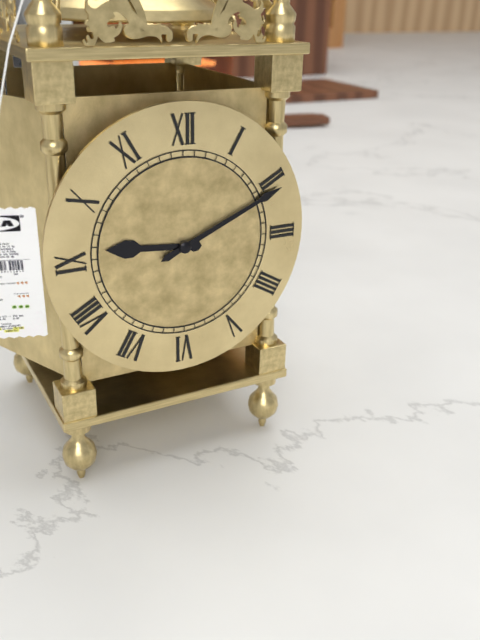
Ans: 9:11
